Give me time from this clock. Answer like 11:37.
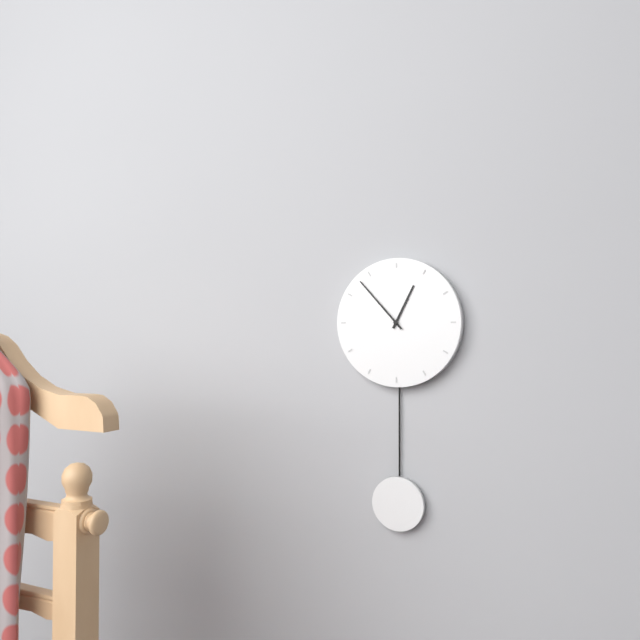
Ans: 12:53
